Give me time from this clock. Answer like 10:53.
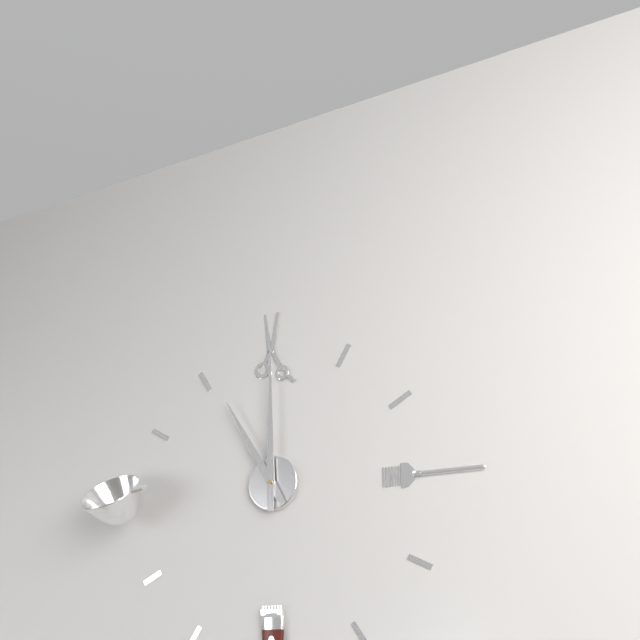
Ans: 11:00
